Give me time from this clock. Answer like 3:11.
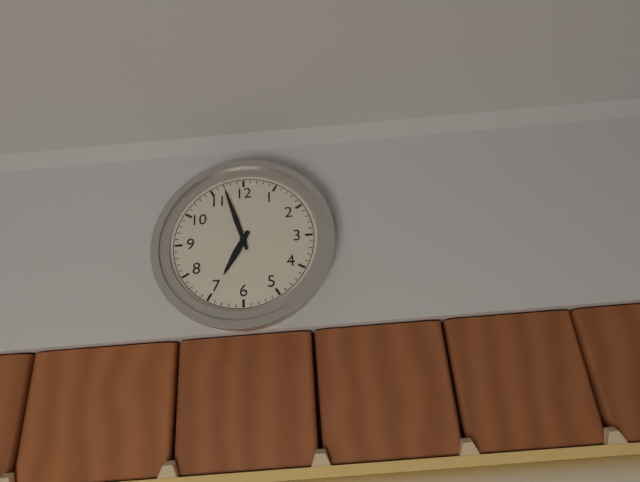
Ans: 6:57
